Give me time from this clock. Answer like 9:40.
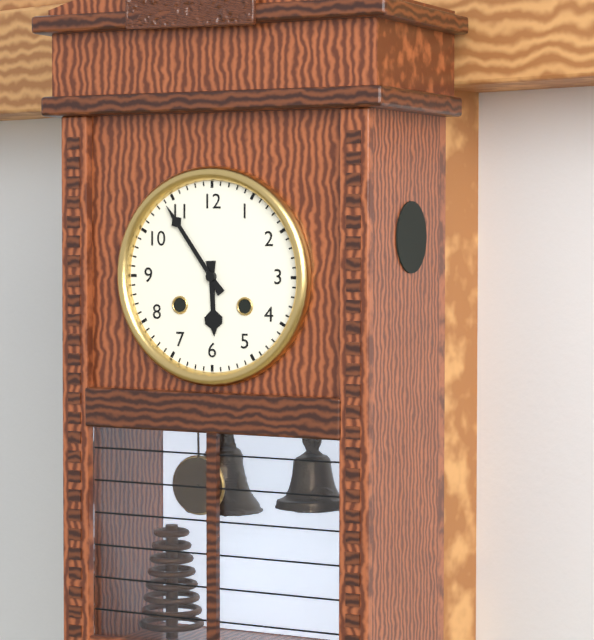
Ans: 5:54
